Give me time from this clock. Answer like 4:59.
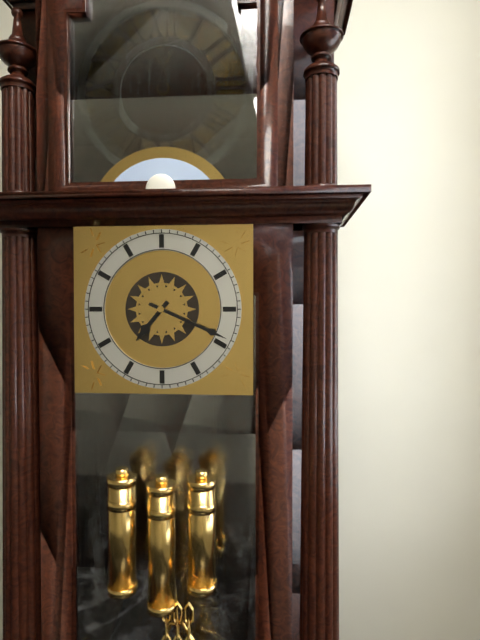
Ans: 7:19
